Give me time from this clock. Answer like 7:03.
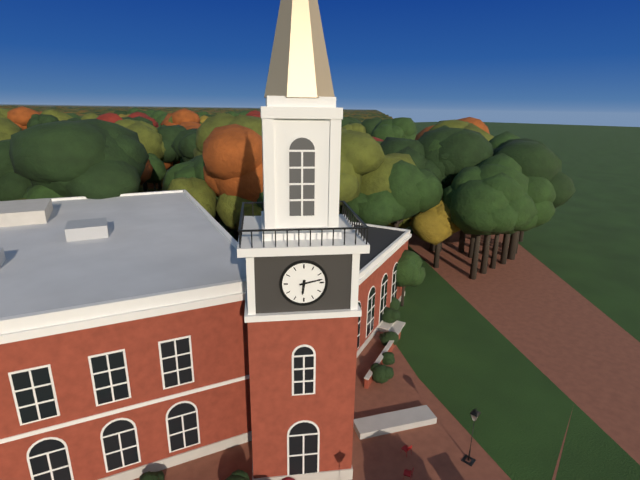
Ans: 6:13
